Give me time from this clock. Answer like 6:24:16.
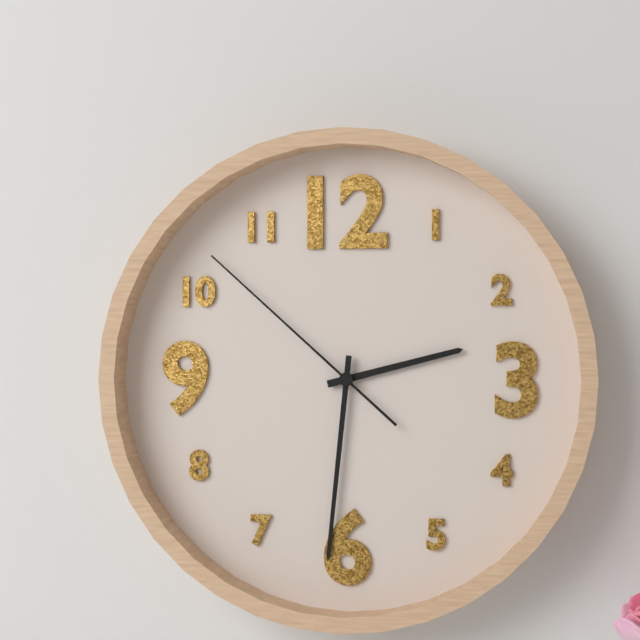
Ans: 2:31:52
